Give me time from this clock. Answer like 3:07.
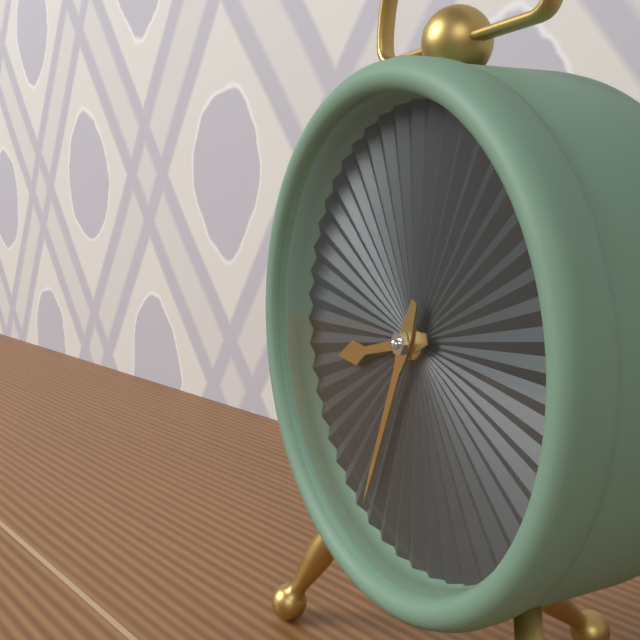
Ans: 8:34
